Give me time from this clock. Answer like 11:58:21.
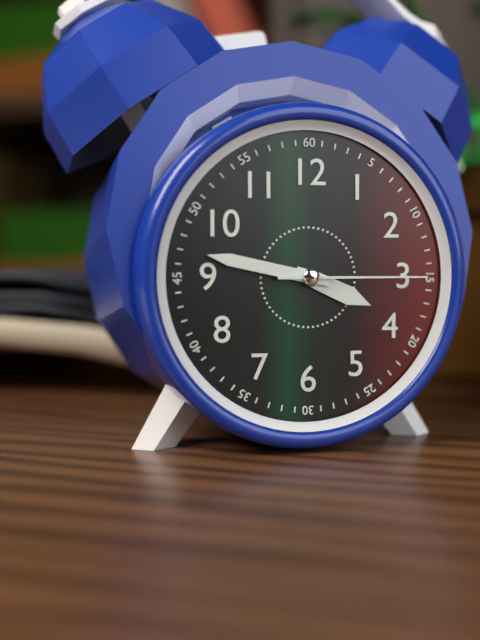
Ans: 3:47:15
